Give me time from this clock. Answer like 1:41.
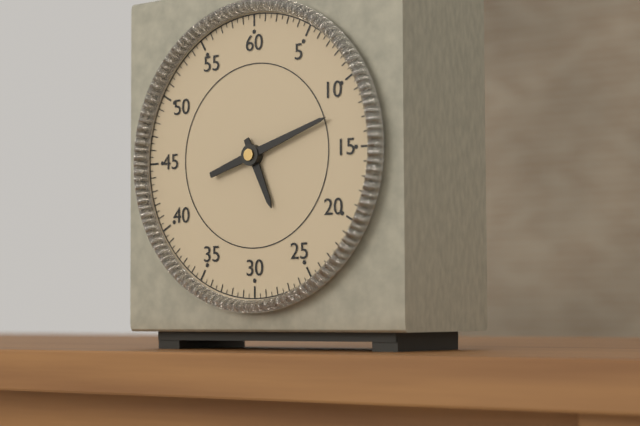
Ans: 5:12
